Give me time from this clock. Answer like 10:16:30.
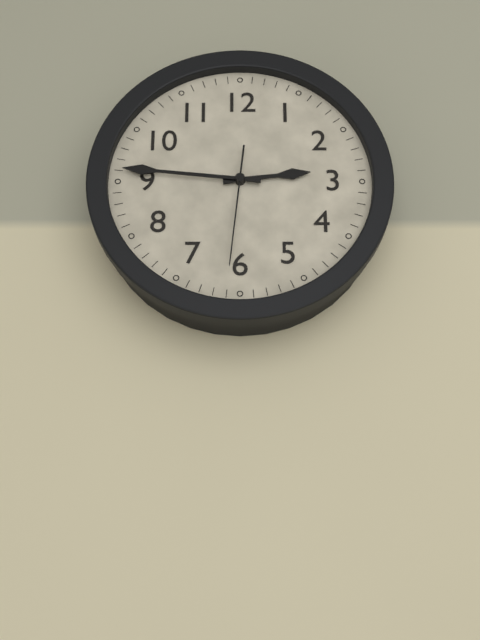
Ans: 2:46:31
